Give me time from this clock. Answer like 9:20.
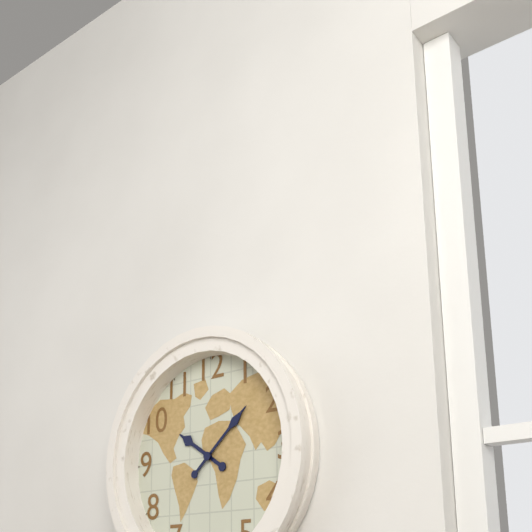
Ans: 10:08
